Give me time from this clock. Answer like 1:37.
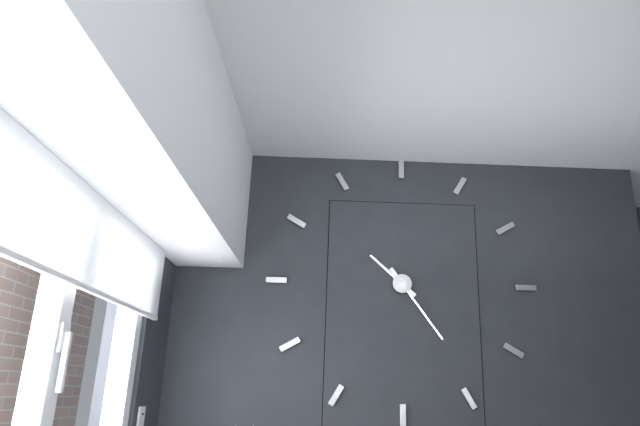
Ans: 10:24
